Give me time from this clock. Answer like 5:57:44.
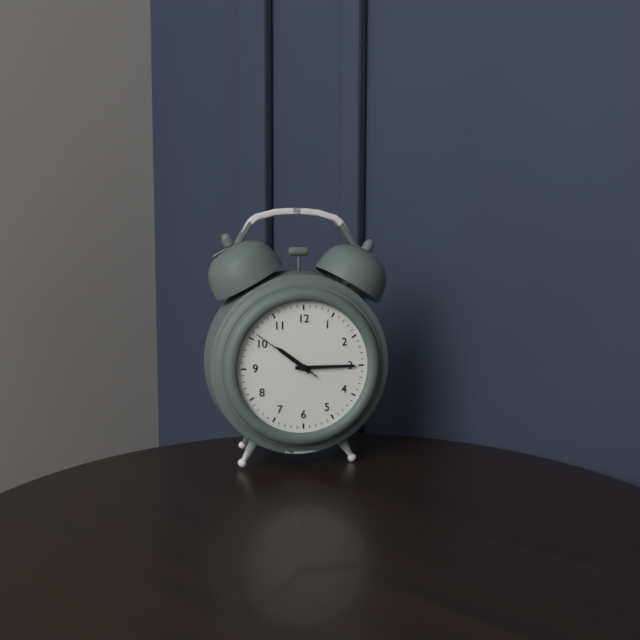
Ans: 10:15:51
